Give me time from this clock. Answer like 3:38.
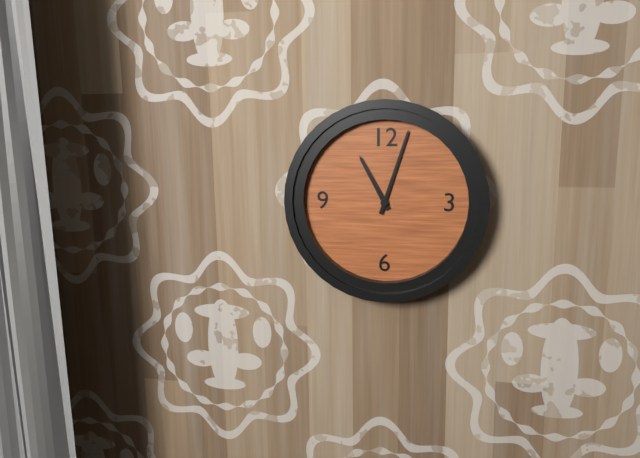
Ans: 11:03
